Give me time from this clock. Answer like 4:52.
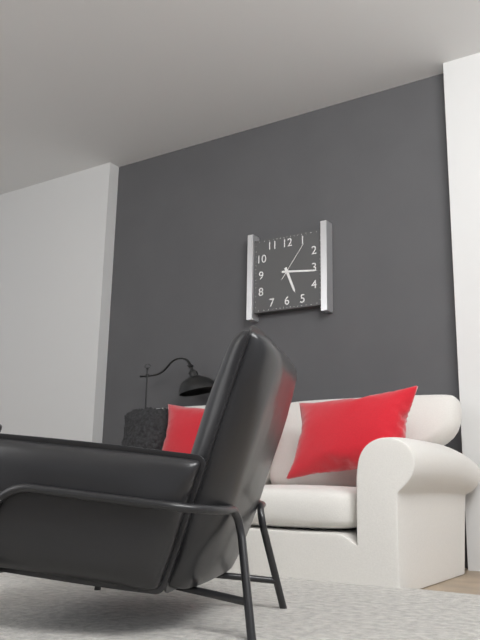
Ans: 5:16
